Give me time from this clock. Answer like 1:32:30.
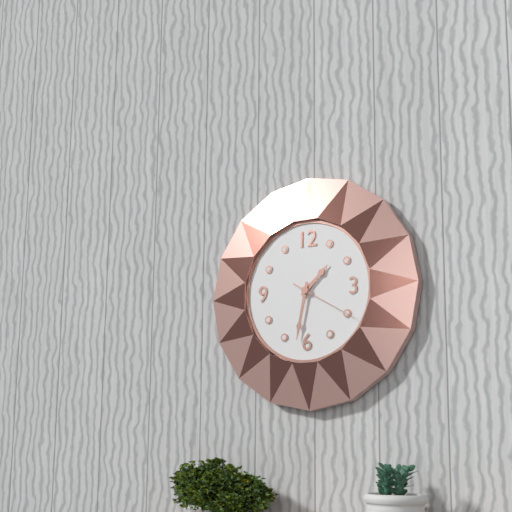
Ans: 1:32:20
